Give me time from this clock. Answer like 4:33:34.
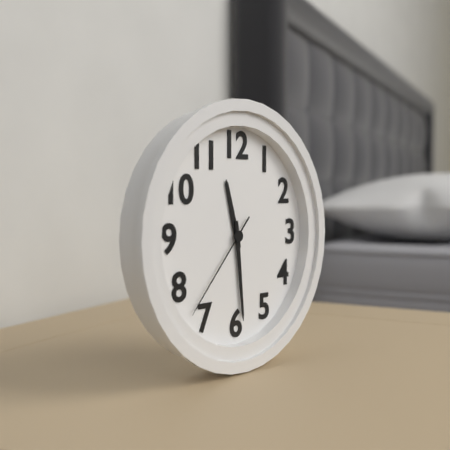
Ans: 11:29:37
